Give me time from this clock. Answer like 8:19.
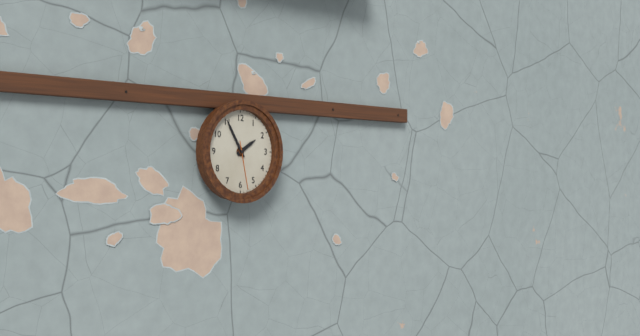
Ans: 1:55
